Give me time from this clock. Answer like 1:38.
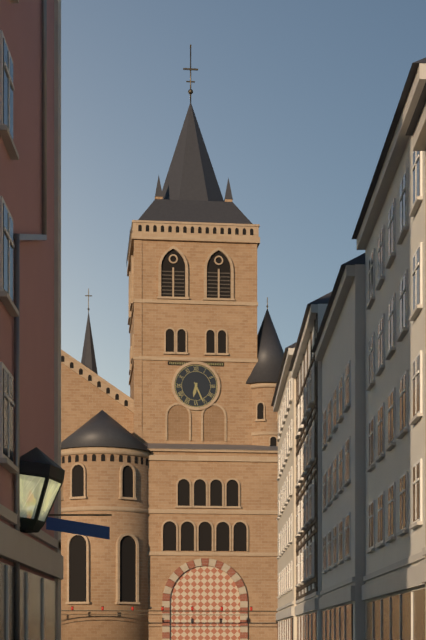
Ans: 6:26
